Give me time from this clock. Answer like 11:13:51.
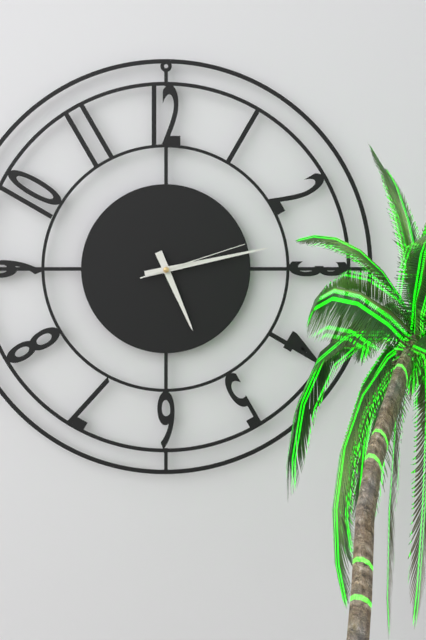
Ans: 5:13:12
